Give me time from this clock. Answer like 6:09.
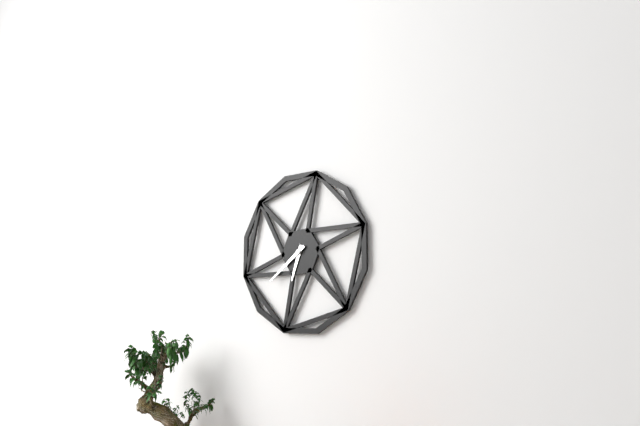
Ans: 6:39
